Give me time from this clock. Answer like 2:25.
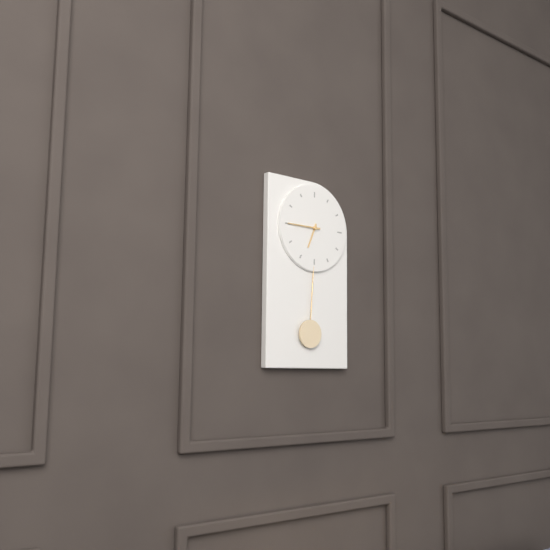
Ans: 6:45
